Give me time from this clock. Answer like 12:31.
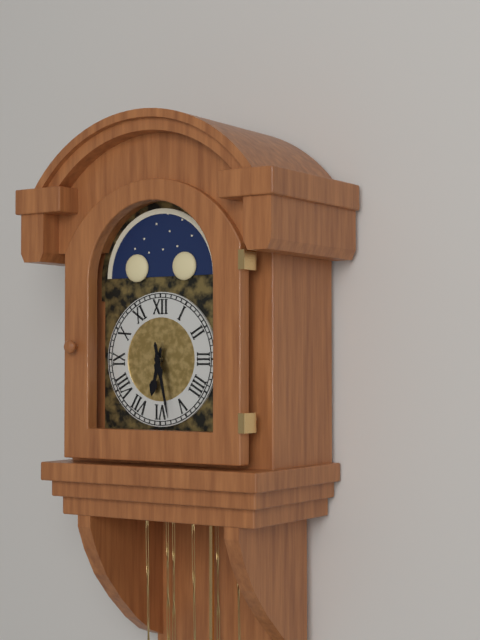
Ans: 6:28
